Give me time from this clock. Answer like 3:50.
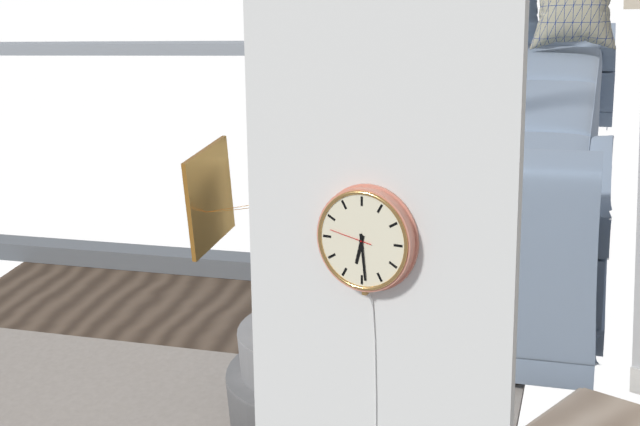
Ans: 6:29
